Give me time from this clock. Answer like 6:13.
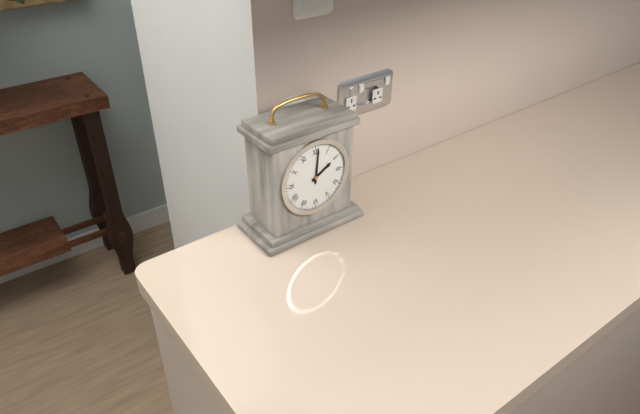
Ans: 2:01
